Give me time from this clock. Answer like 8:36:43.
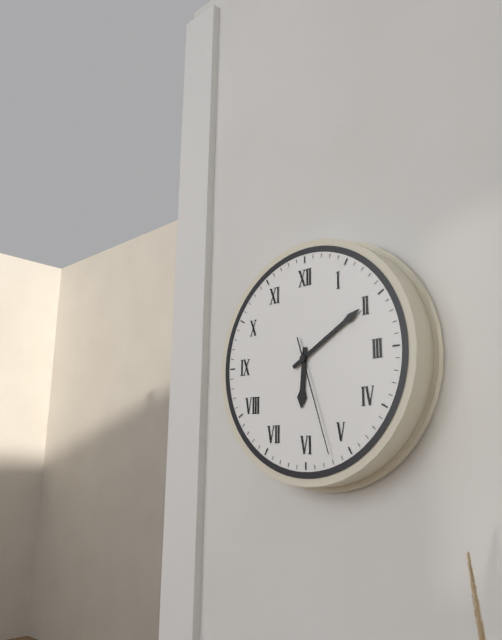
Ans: 6:10:27
